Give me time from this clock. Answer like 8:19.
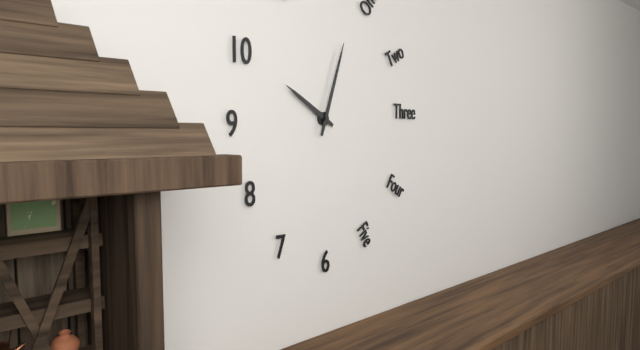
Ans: 10:03
